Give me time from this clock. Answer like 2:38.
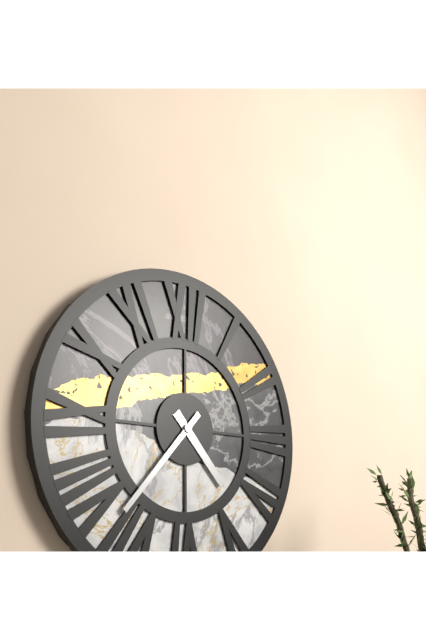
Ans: 4:37
